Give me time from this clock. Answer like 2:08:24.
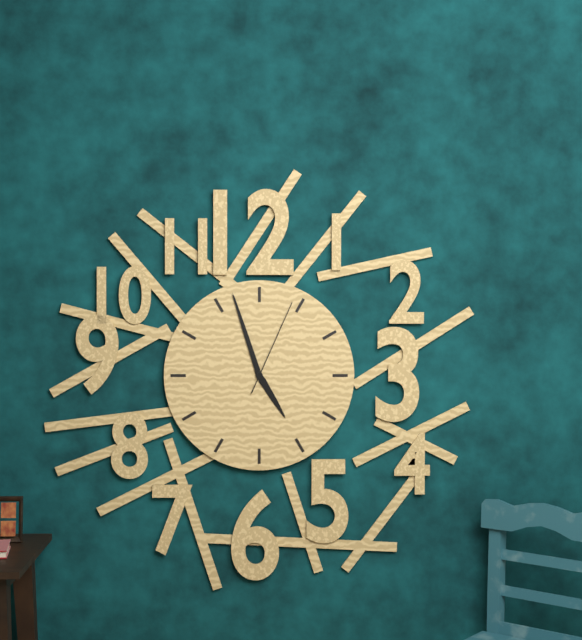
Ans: 4:57:04
